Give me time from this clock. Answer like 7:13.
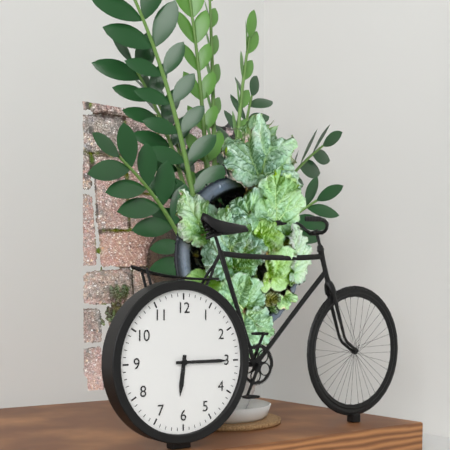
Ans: 6:15
